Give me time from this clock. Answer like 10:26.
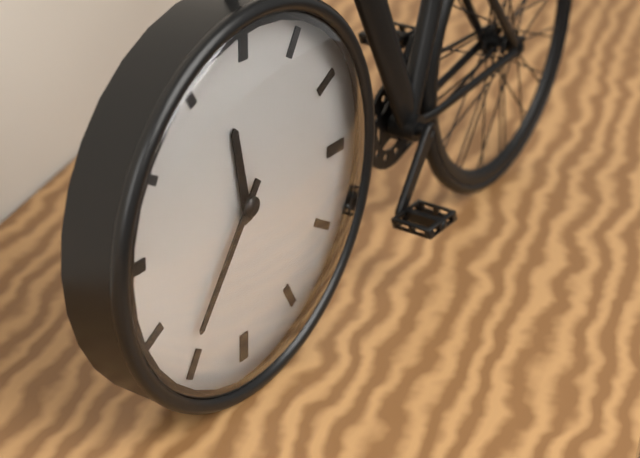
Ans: 11:36
